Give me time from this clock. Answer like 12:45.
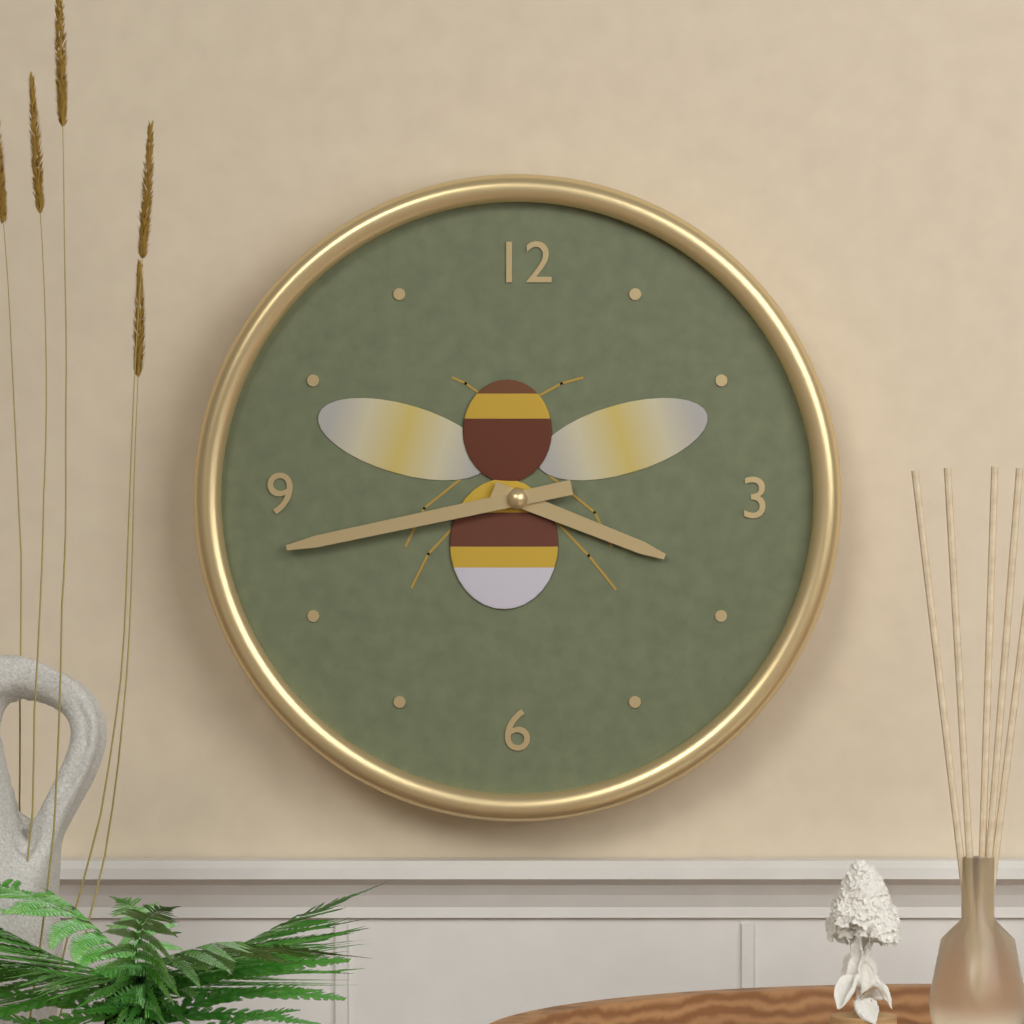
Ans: 3:43
